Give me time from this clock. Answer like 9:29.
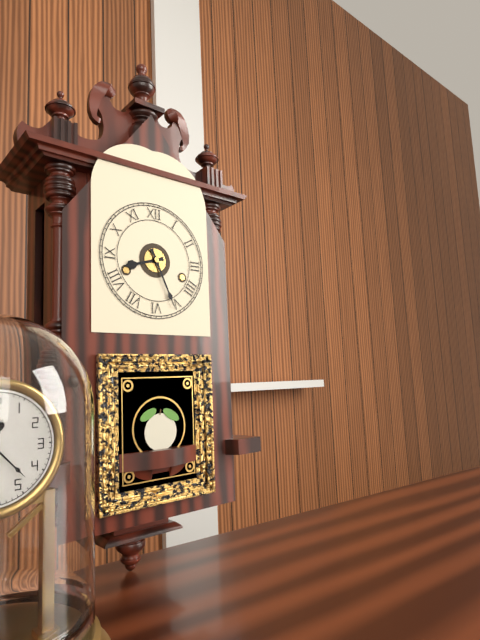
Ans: 8:26
